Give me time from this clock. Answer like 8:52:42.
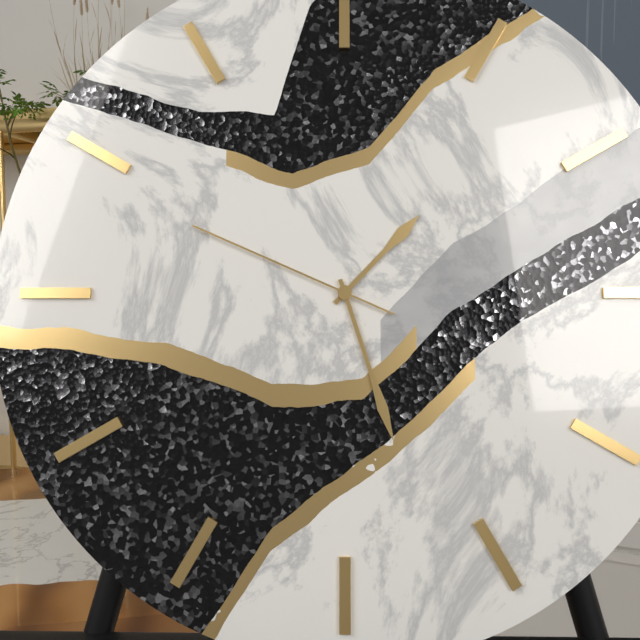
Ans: 1:27:49
